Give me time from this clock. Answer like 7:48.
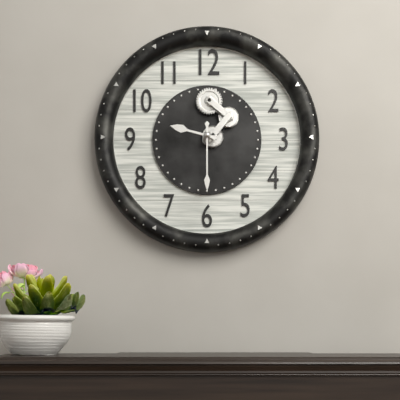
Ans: 9:30
